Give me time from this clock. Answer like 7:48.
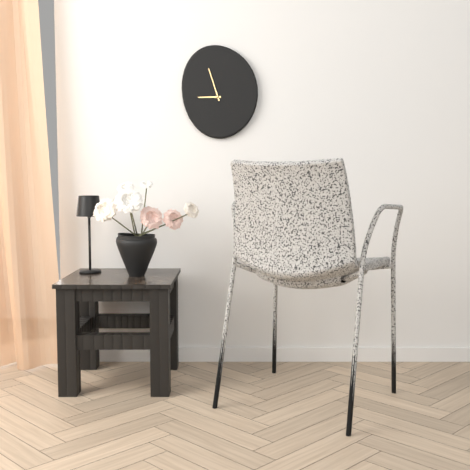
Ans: 8:57
